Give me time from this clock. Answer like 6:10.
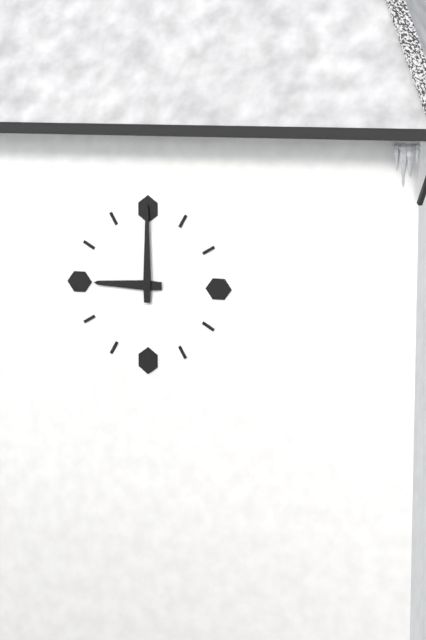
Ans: 9:00
